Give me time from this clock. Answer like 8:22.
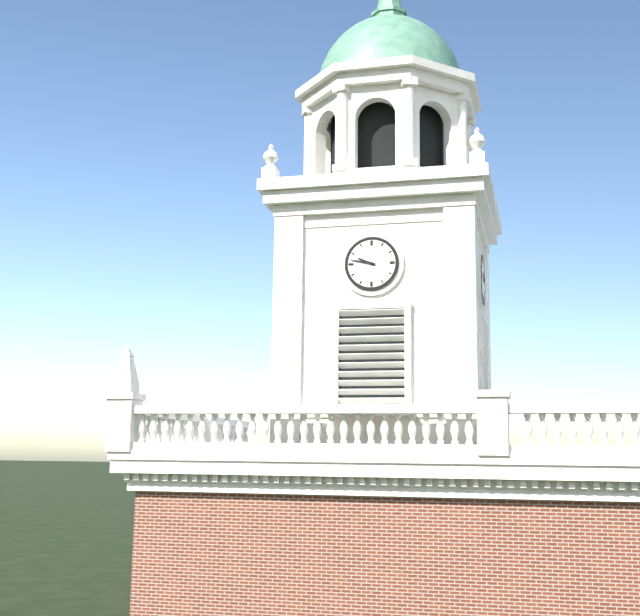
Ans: 9:47
